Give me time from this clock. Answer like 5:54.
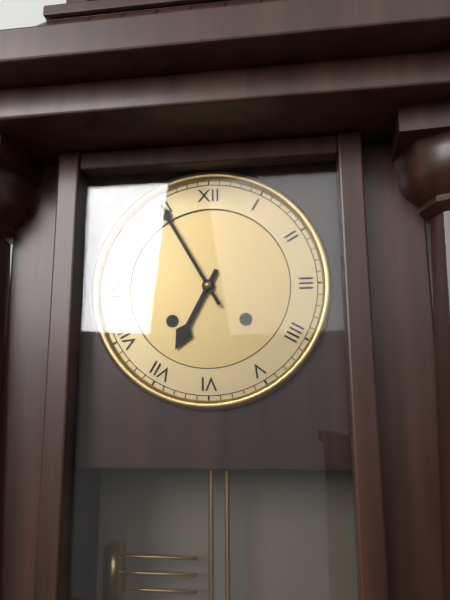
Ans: 6:55
